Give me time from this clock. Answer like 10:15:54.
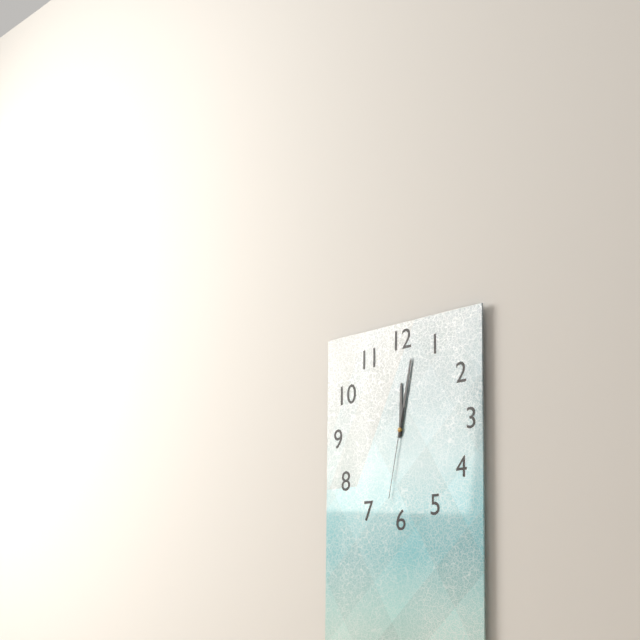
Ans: 12:02:32
